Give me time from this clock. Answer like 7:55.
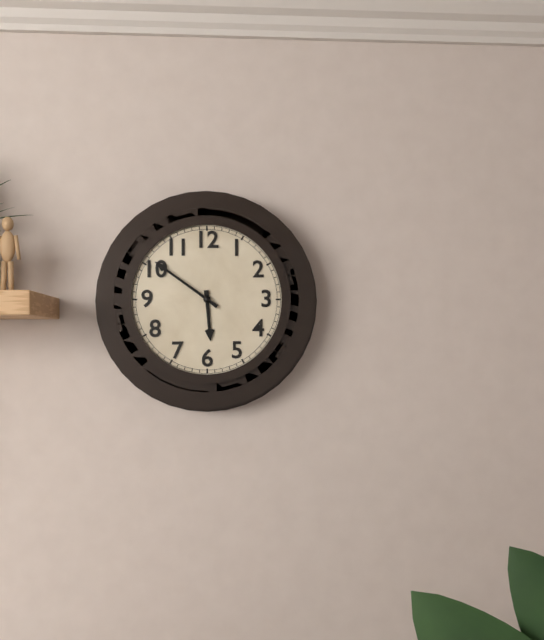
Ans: 5:51
